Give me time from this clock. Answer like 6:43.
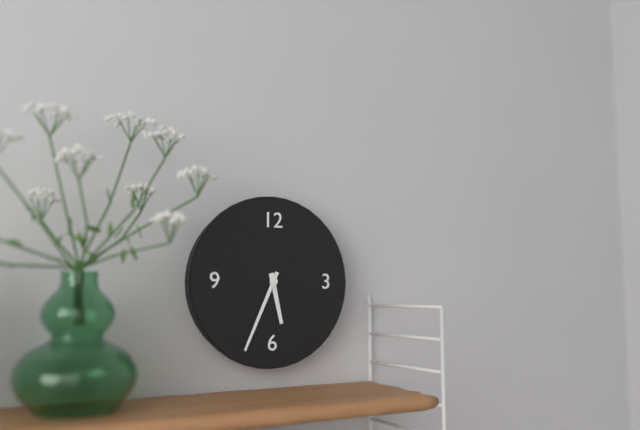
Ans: 5:34
